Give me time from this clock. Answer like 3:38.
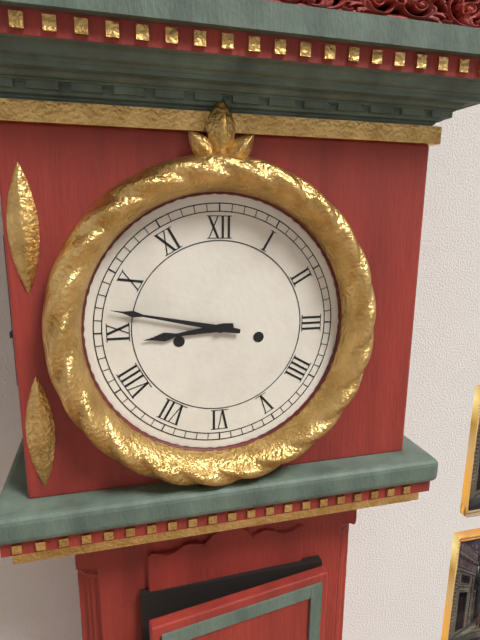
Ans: 8:47
